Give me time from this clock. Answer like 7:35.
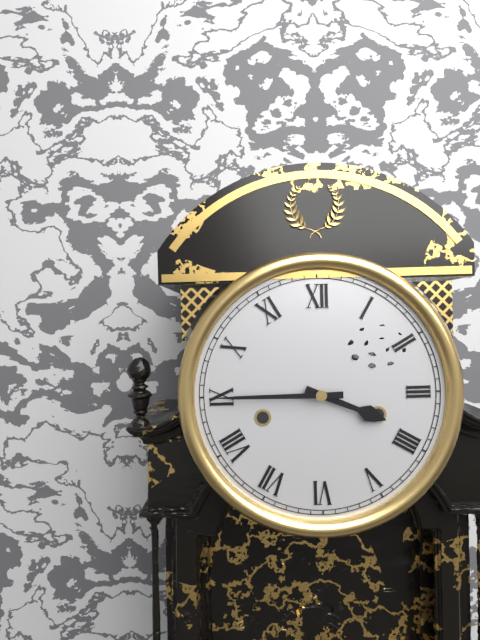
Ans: 3:45
